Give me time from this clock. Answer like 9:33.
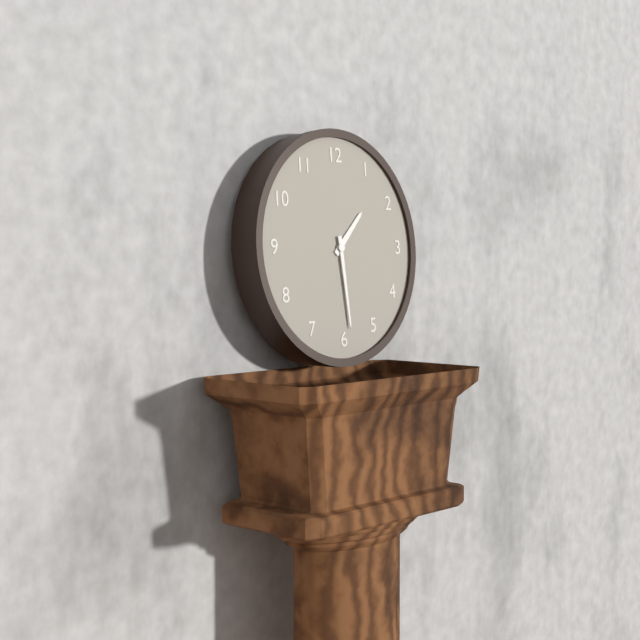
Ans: 1:29
